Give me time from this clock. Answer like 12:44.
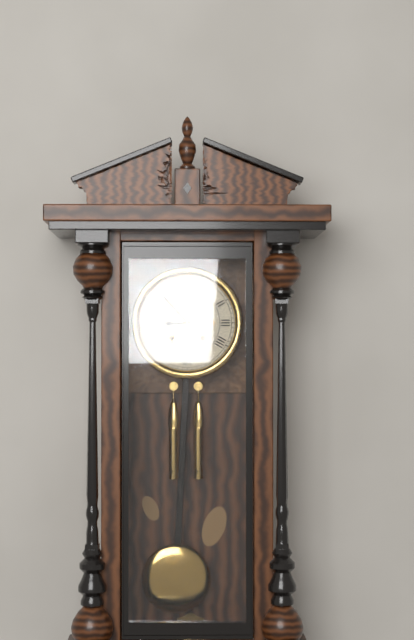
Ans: 8:53
